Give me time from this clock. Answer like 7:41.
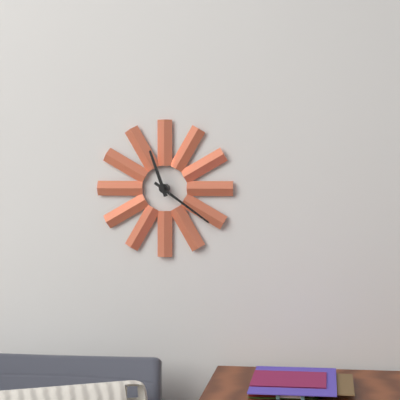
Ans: 11:21
